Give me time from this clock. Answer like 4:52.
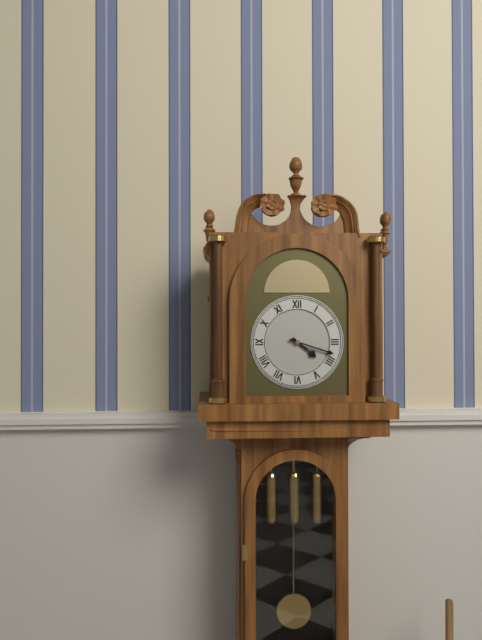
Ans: 4:18
